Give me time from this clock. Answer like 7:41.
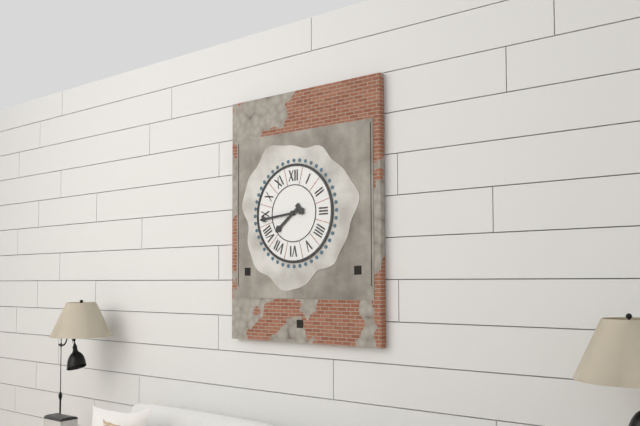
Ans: 7:44
